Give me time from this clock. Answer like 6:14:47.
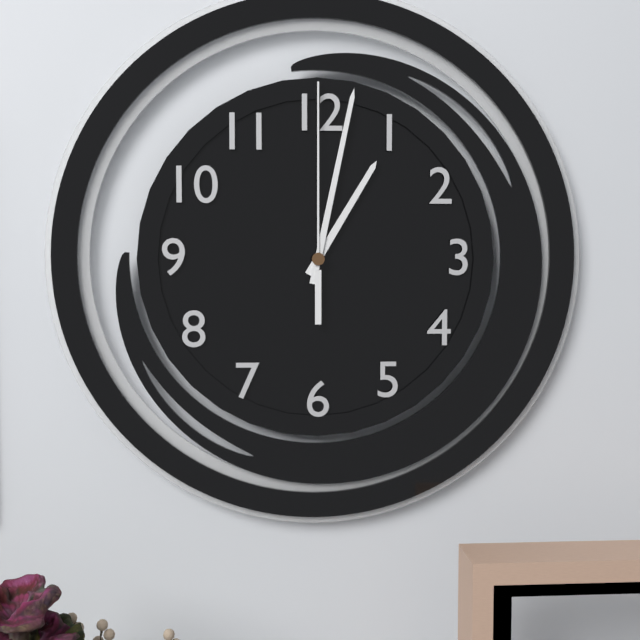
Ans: 1:02:00
